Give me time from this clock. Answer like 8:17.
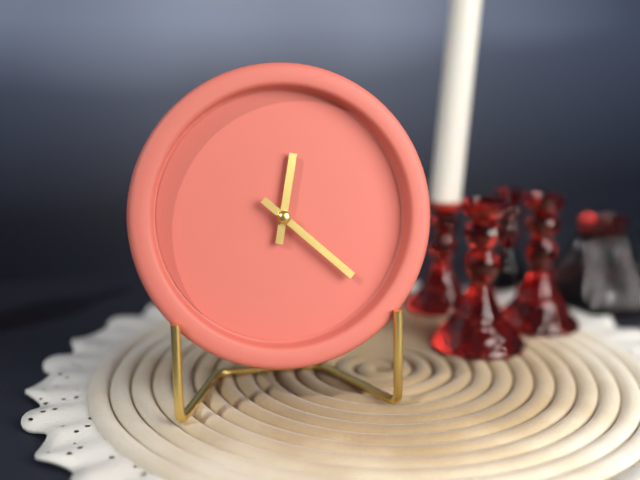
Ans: 12:22
